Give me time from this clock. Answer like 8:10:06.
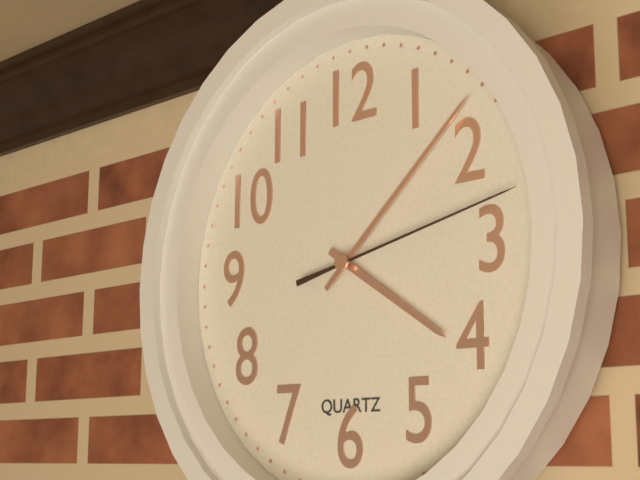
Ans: 4:08:13
